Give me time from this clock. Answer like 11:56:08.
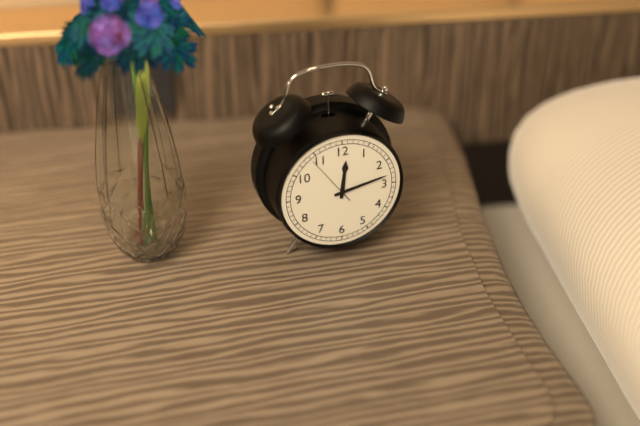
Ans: 12:13:54
